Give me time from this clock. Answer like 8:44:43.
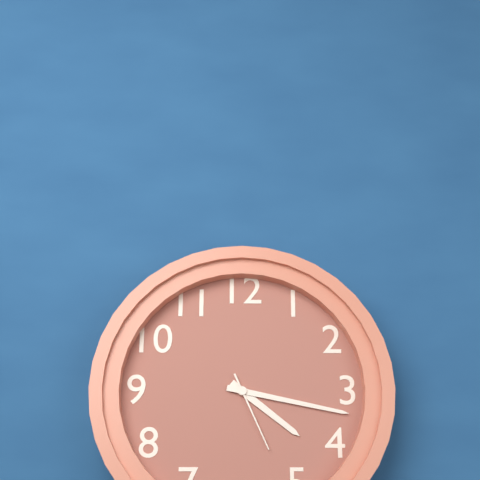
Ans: 4:17:26
